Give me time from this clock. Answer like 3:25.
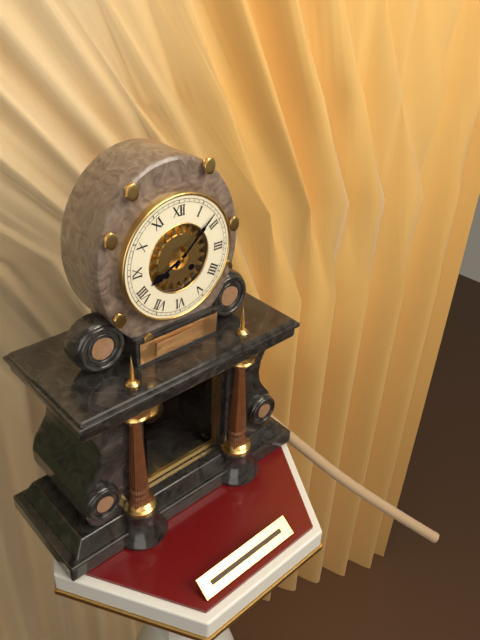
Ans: 8:08
